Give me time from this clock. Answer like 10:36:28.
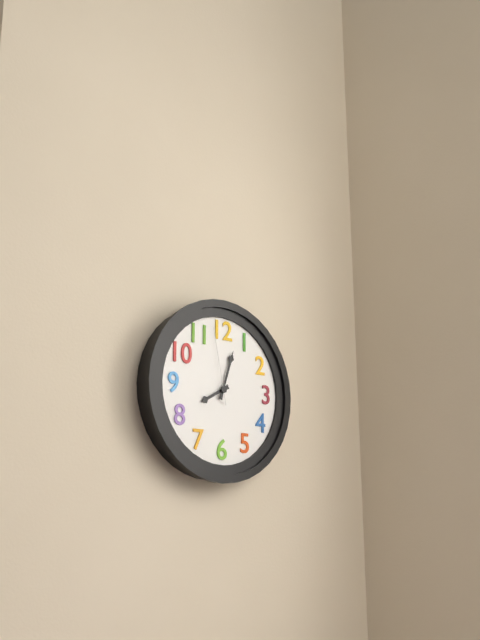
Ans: 8:03:58
